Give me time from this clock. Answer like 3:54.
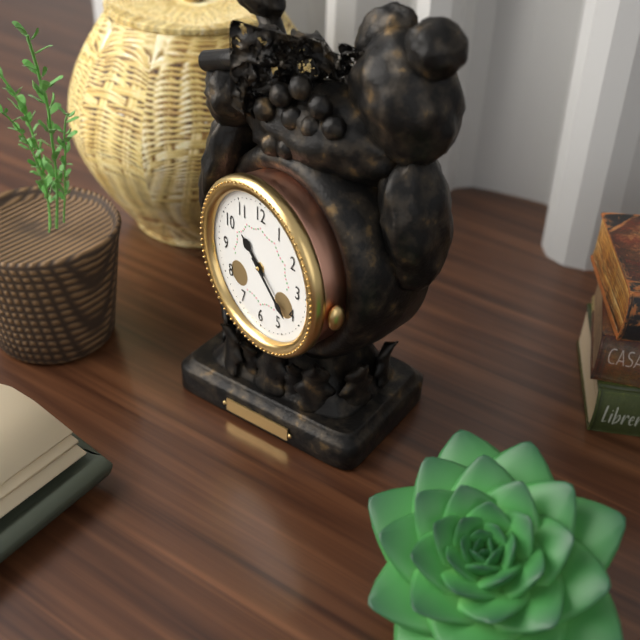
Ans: 10:22
